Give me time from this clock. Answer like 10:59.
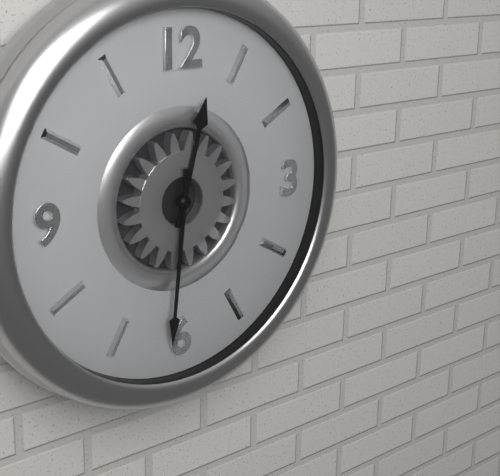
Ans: 12:31
